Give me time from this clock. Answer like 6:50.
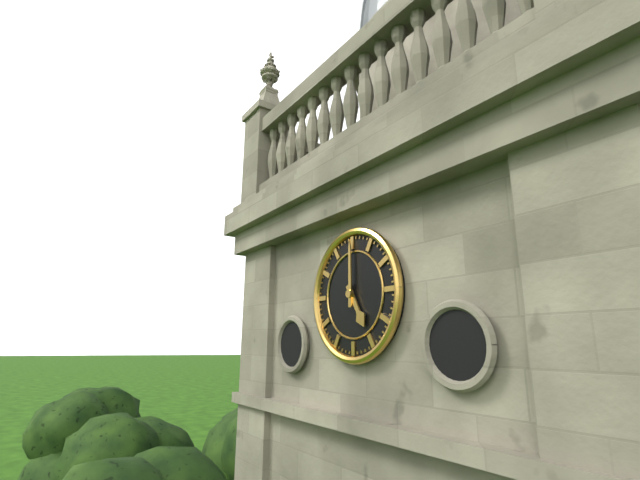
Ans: 5:00
